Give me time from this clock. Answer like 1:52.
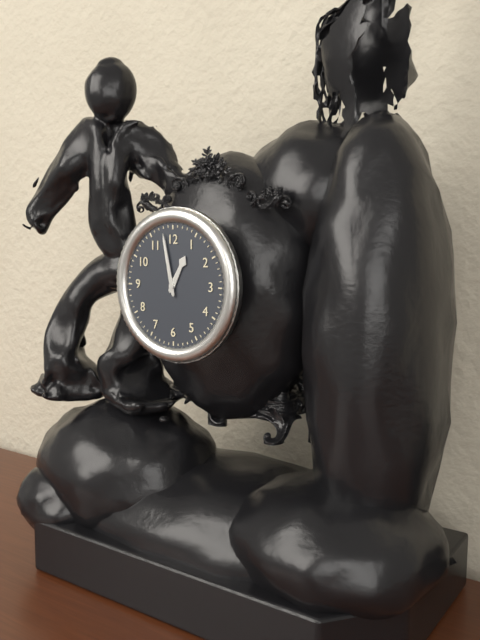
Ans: 12:58
